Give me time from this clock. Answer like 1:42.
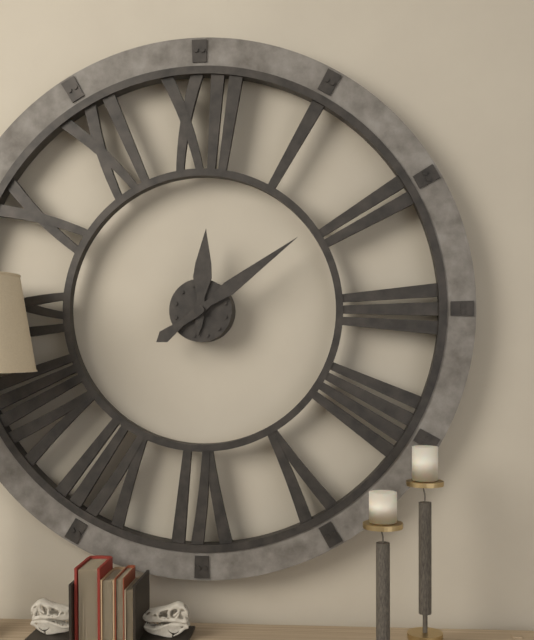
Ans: 12:09
